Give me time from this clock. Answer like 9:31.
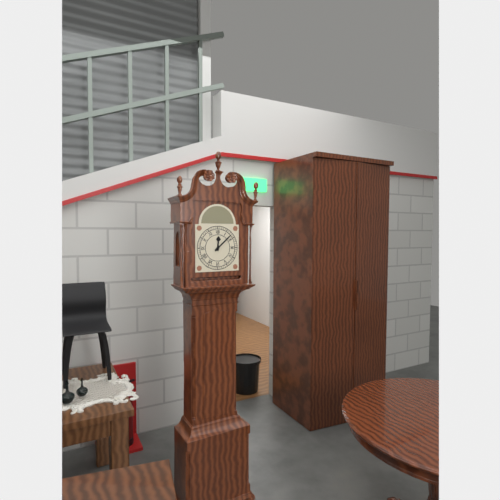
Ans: 12:08
